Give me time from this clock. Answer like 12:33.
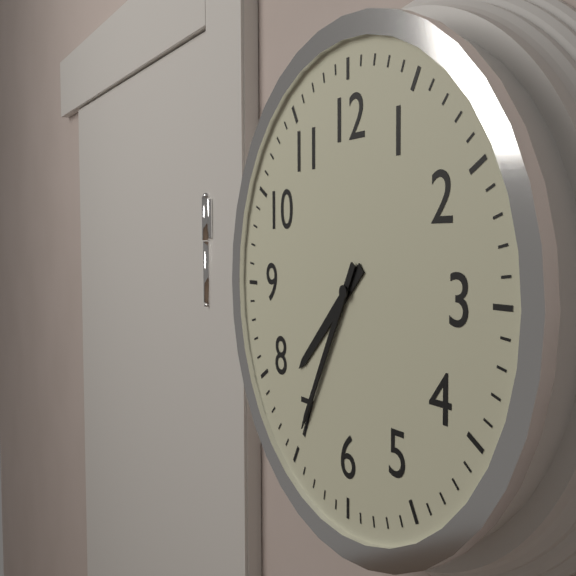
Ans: 7:35
